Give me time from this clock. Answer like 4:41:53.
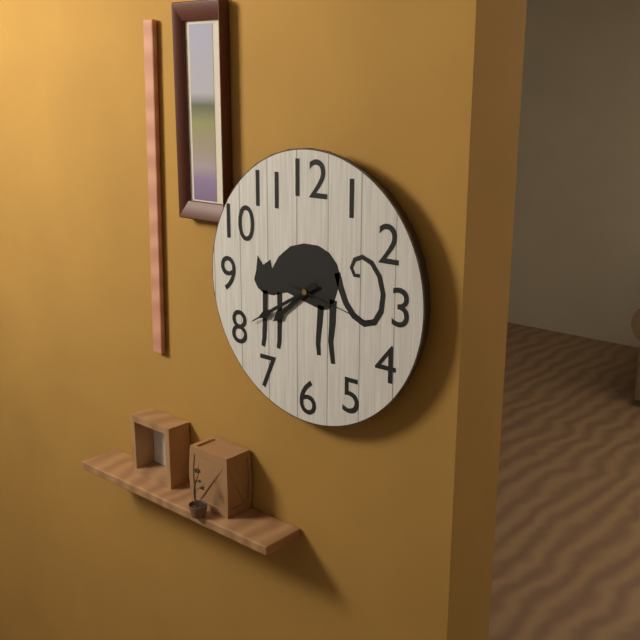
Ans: 7:40:17
